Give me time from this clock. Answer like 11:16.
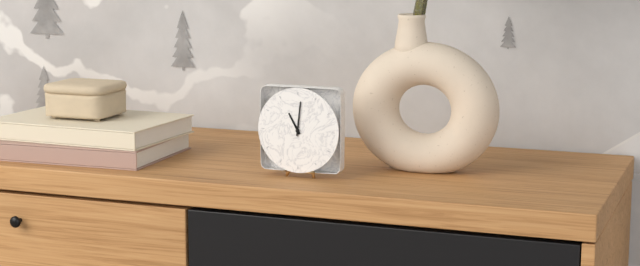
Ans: 11:01
